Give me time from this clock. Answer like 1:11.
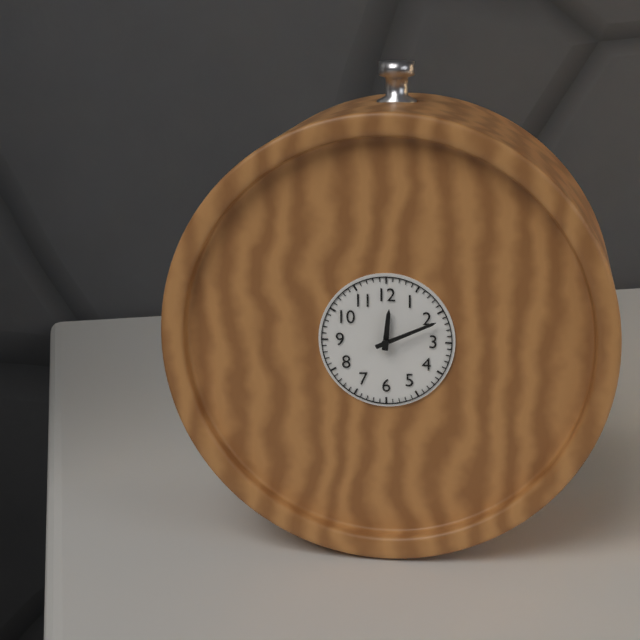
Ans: 12:11
